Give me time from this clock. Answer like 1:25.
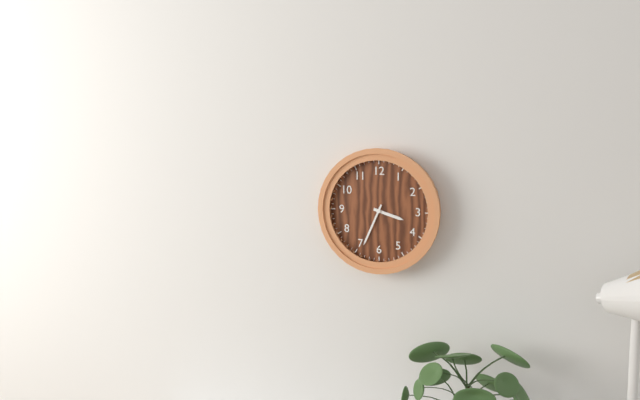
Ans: 3:34
